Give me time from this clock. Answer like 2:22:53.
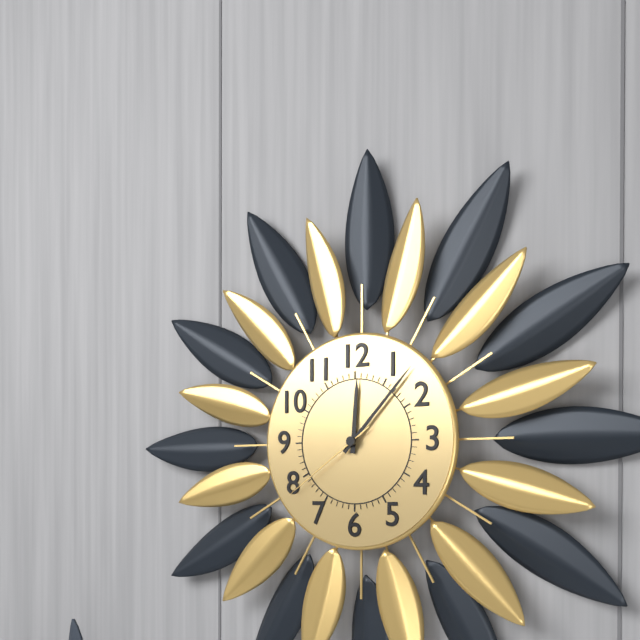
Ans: 12:07:39
